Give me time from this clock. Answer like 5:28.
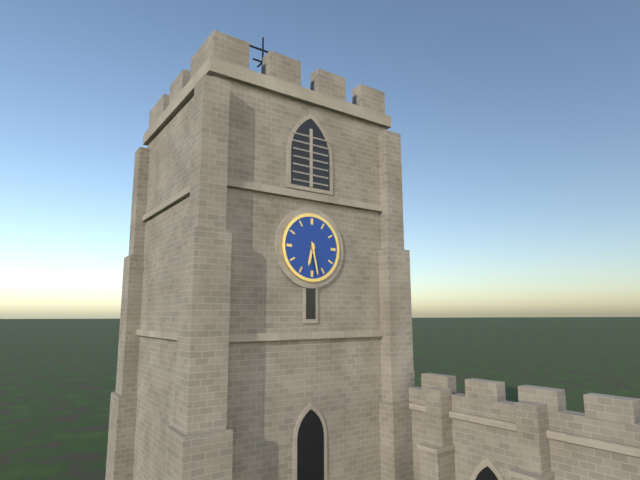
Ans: 6:28
